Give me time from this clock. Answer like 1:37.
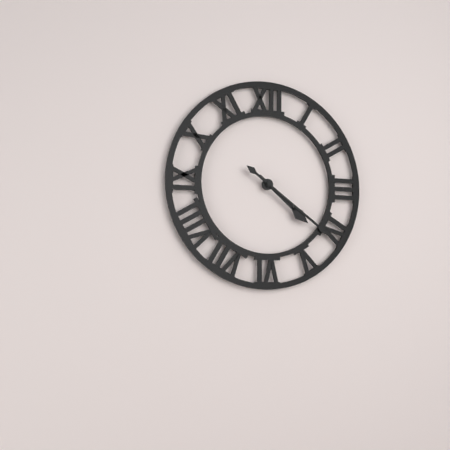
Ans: 4:21
